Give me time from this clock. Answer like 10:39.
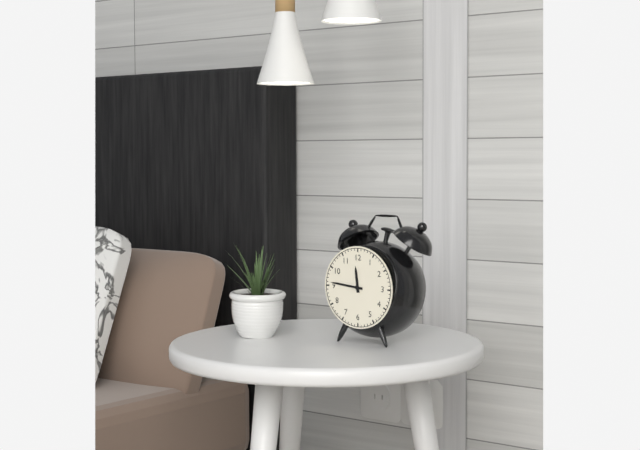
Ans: 11:46
